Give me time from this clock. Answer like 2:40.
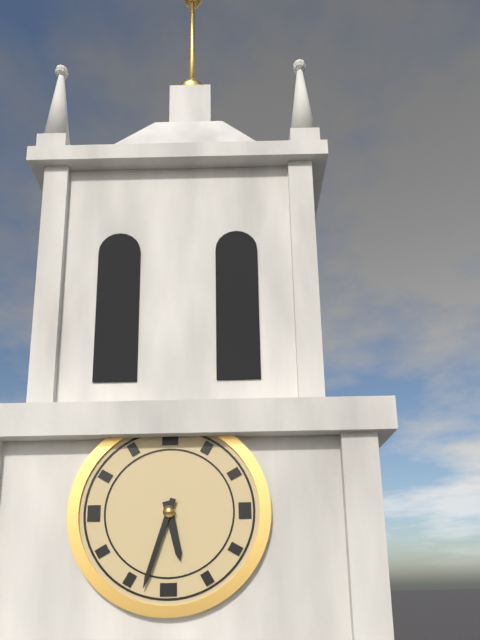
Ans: 5:33
